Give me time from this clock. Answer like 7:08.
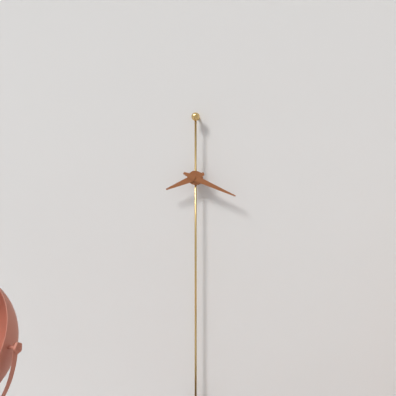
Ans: 8:19
